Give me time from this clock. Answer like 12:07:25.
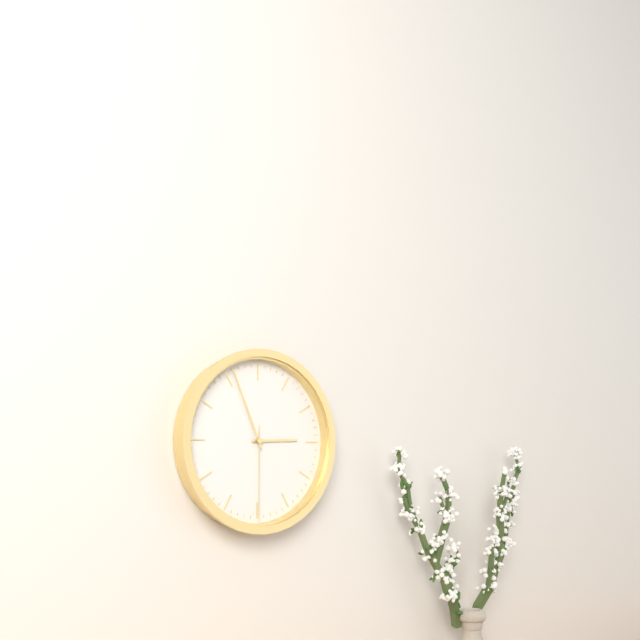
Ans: 2:56:30
